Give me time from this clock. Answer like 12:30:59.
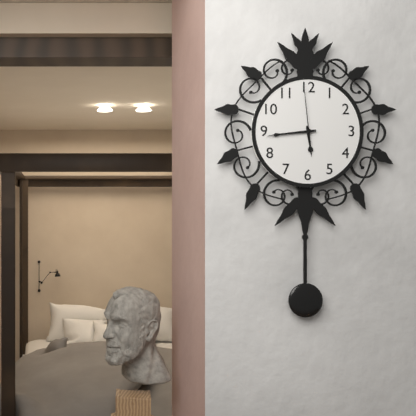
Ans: 5:44:59
